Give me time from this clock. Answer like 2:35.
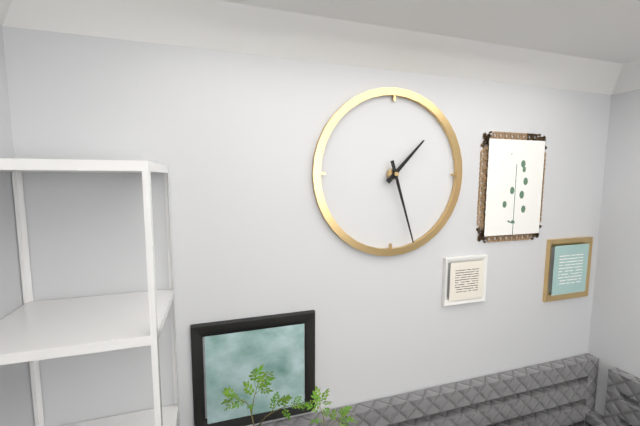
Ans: 1:27
